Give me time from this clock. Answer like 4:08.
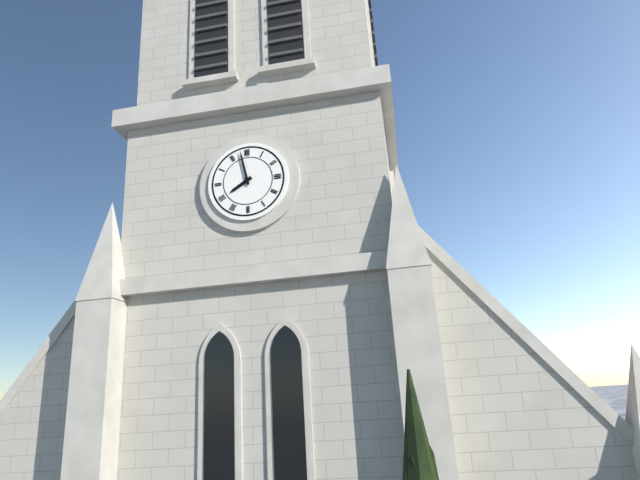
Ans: 7:58
